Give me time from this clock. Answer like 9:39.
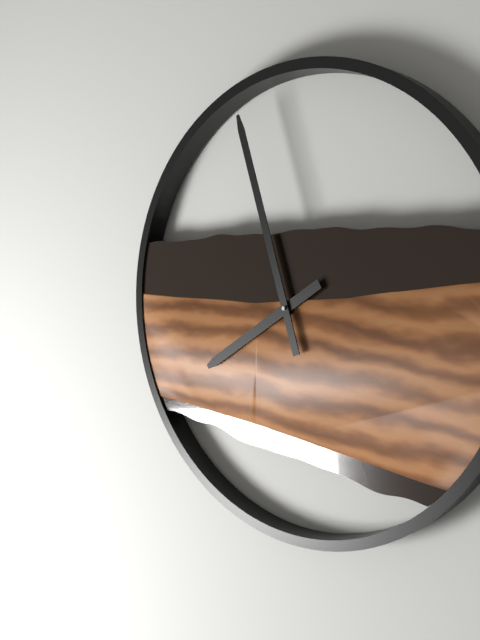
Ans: 7:57
